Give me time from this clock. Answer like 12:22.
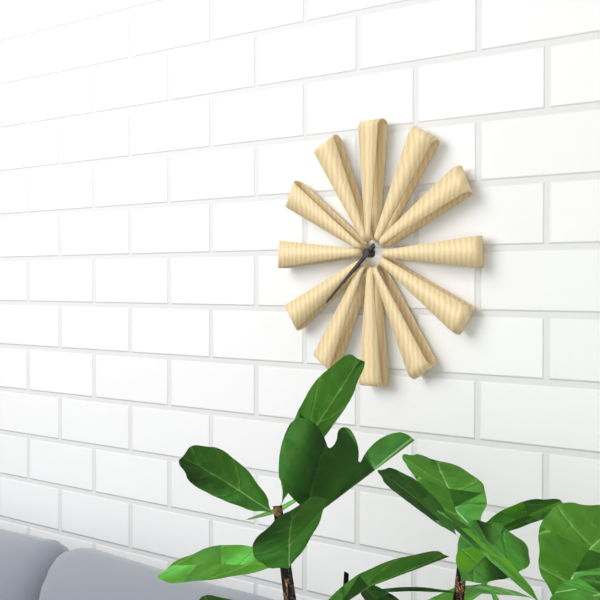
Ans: 7:38
